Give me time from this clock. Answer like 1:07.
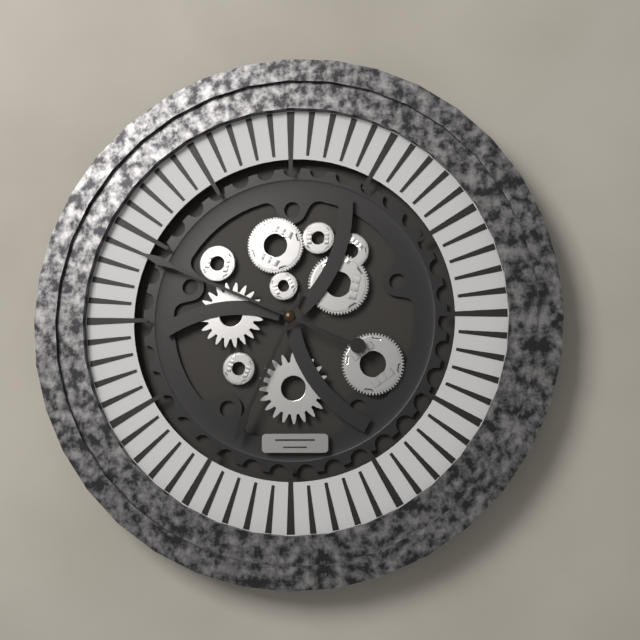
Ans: 6:49
